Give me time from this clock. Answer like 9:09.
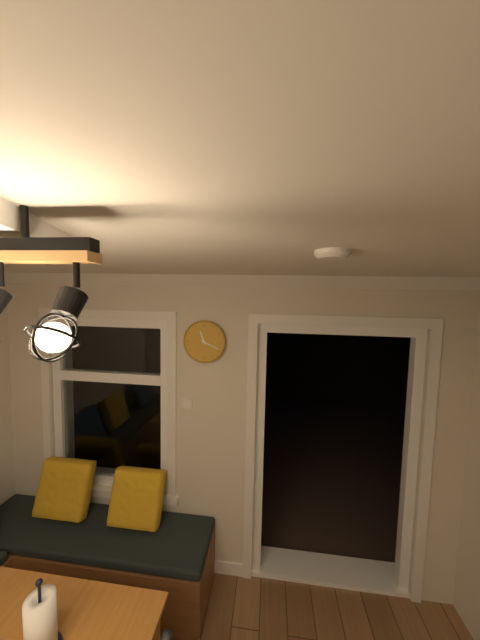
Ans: 11:19
